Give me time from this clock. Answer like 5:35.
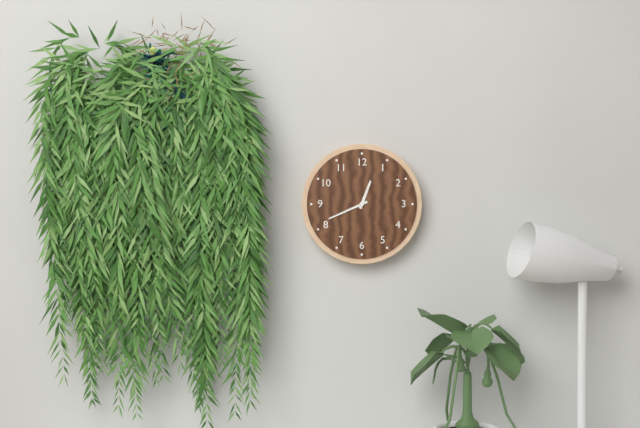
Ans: 12:41
